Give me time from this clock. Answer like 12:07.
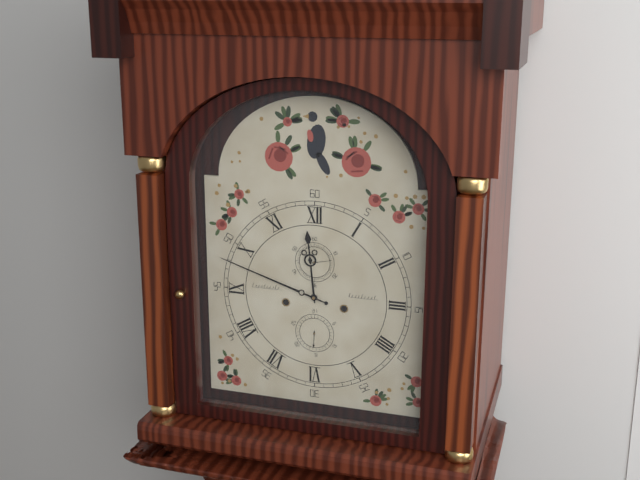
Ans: 11:48
